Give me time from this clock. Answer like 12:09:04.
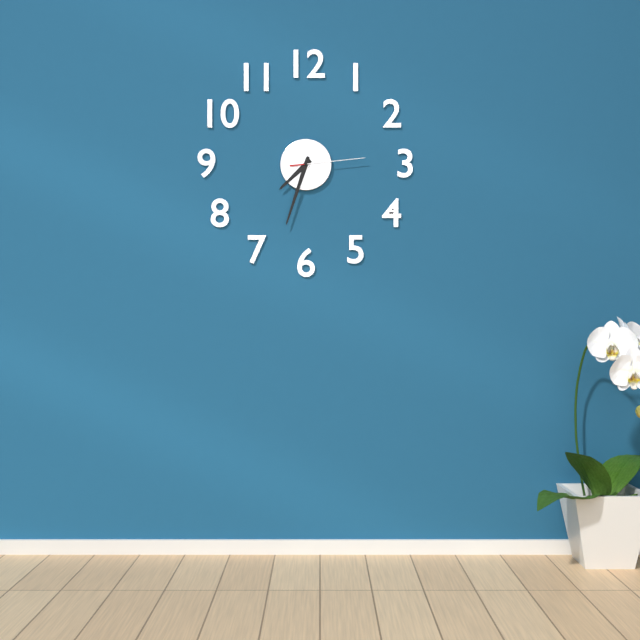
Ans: 7:33:14
